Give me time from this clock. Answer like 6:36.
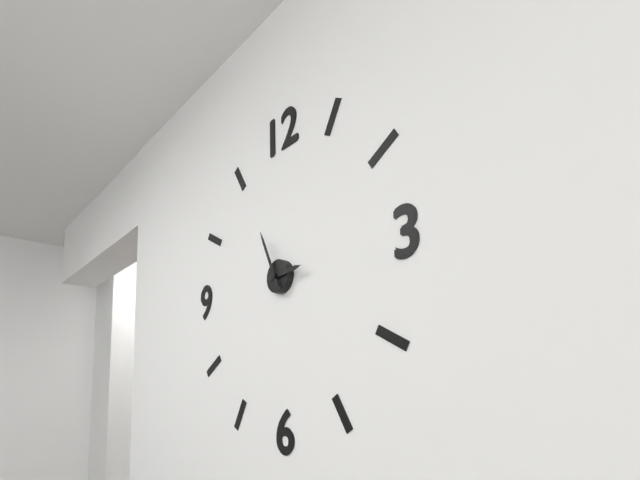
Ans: 2:56
